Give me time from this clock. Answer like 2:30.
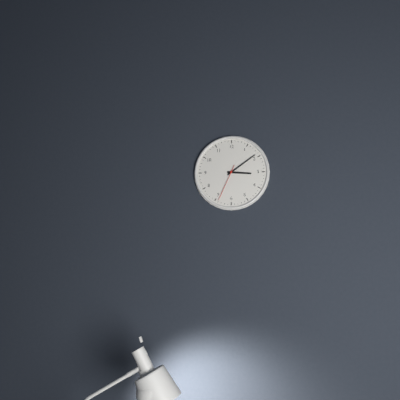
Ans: 3:09
